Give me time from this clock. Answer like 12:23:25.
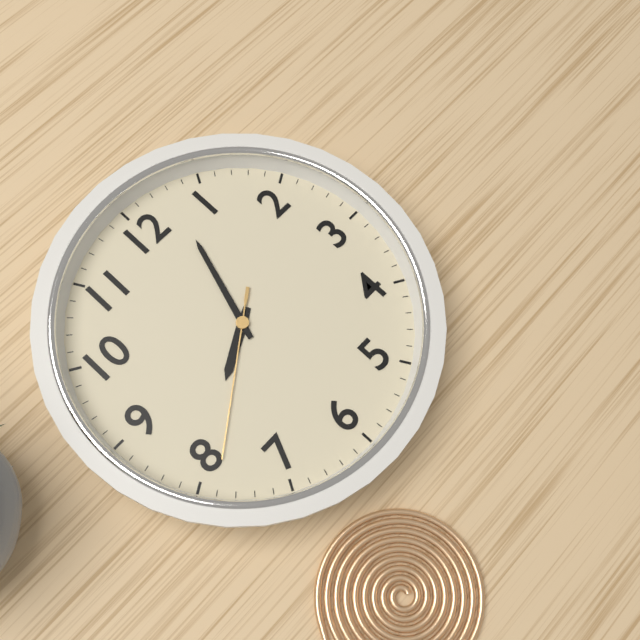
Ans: 8:03:39
